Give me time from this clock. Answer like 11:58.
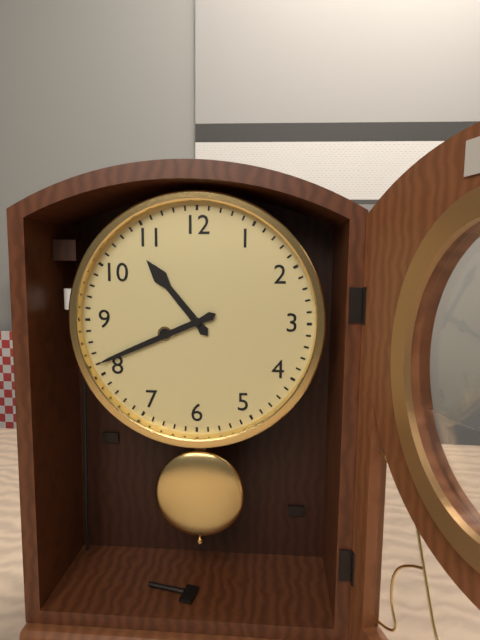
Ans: 10:41
